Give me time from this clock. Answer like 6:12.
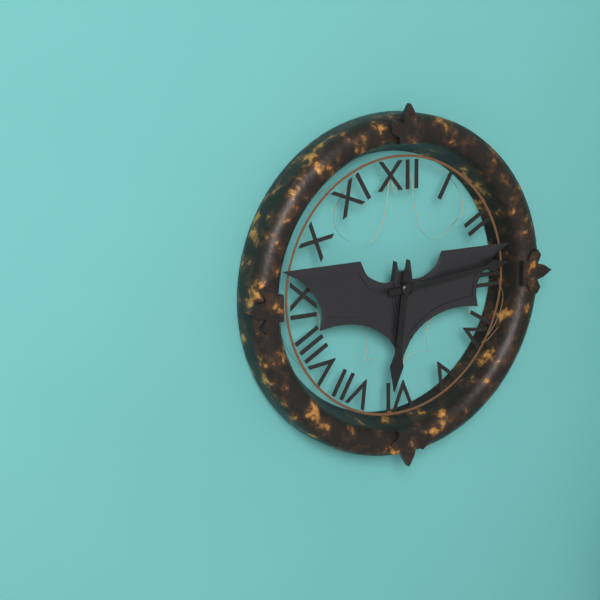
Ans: 6:14
